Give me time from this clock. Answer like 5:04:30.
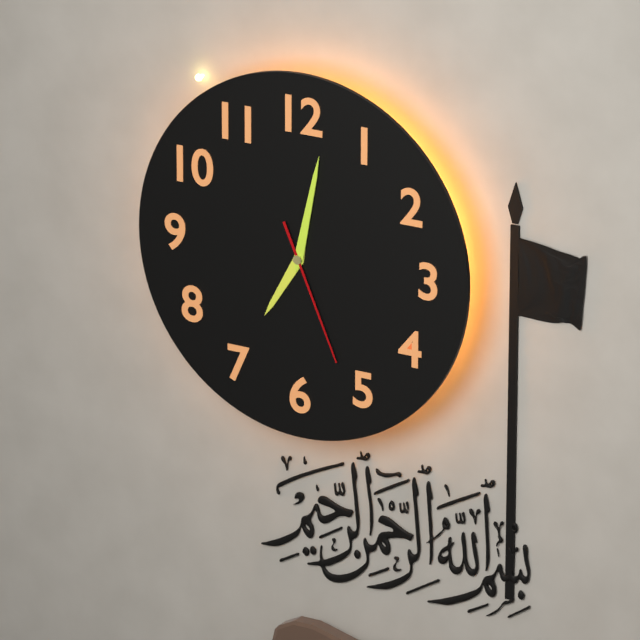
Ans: 7:02:26
